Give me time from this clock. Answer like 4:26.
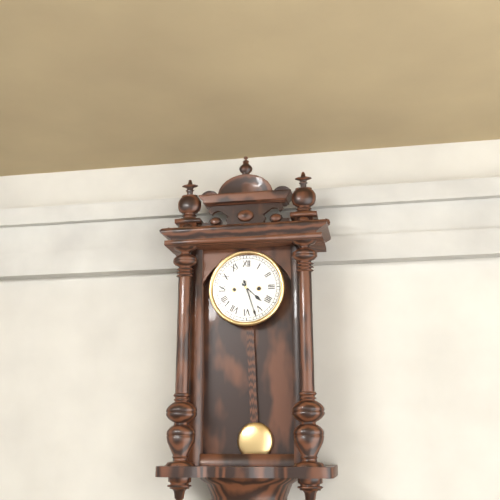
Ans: 4:27
